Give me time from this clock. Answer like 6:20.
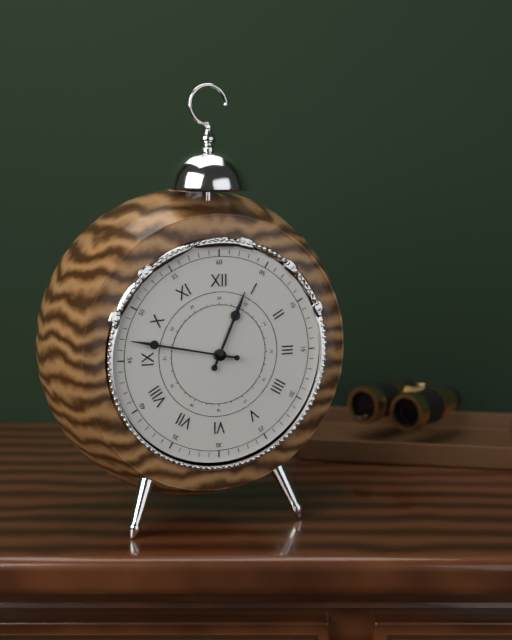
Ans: 12:47
